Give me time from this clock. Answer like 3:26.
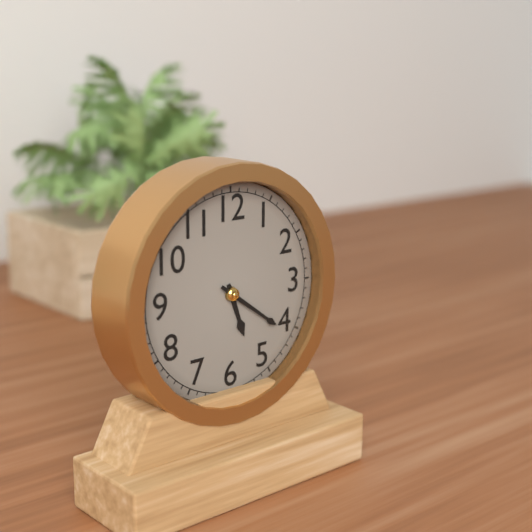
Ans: 5:21
